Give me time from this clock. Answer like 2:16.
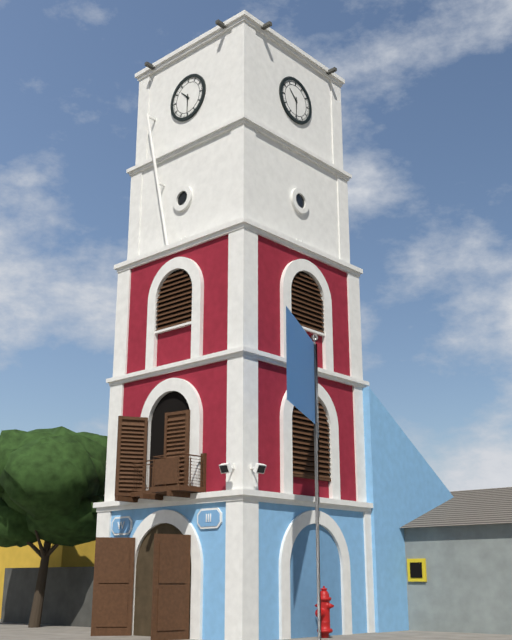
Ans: 10:30
